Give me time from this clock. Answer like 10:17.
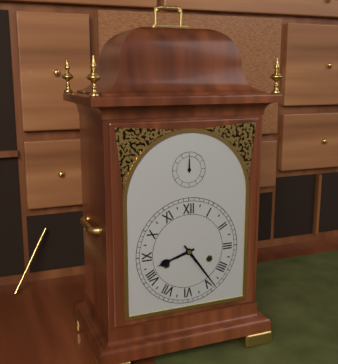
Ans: 8:24
